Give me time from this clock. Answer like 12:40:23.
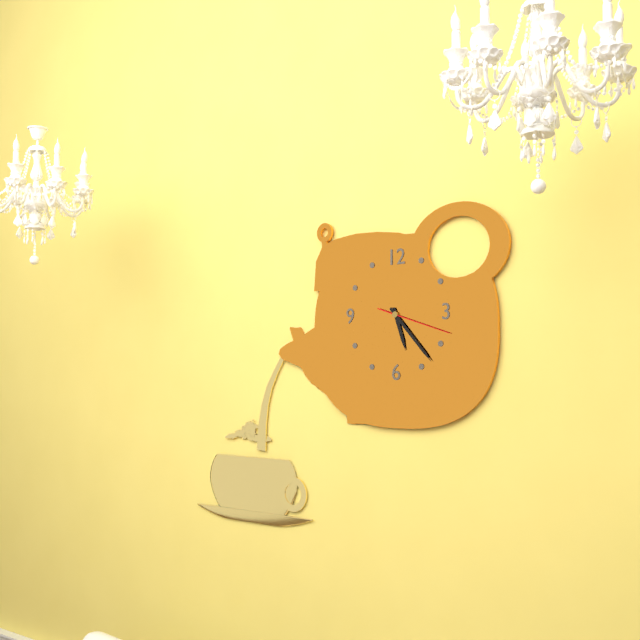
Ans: 5:23:18
